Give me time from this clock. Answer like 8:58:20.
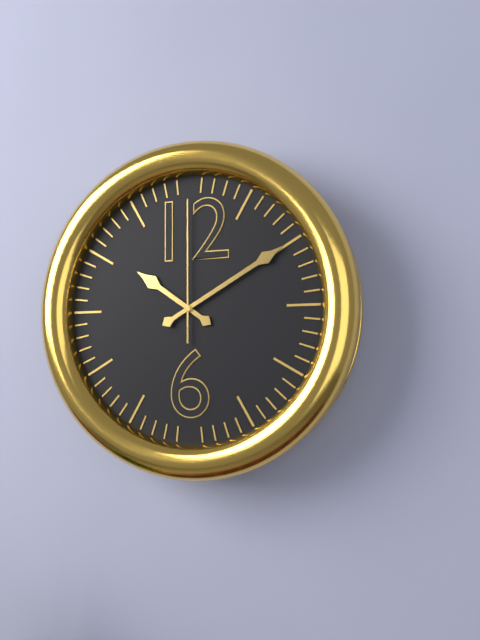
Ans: 10:10:00
